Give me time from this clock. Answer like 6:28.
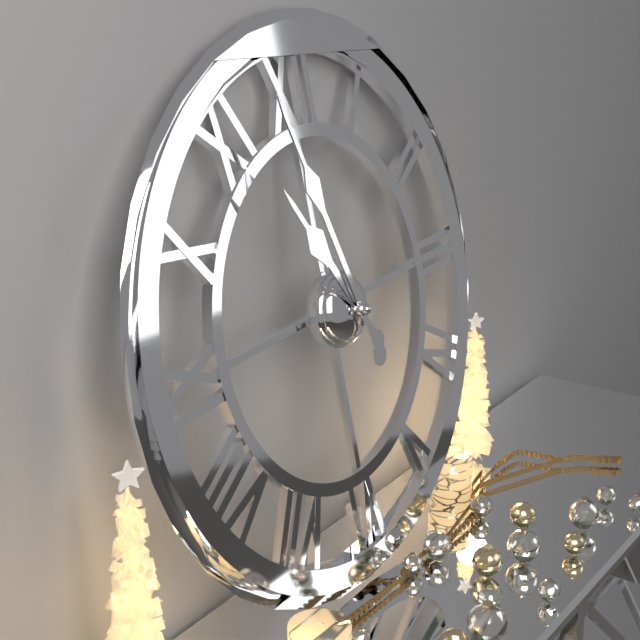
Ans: 10:57
